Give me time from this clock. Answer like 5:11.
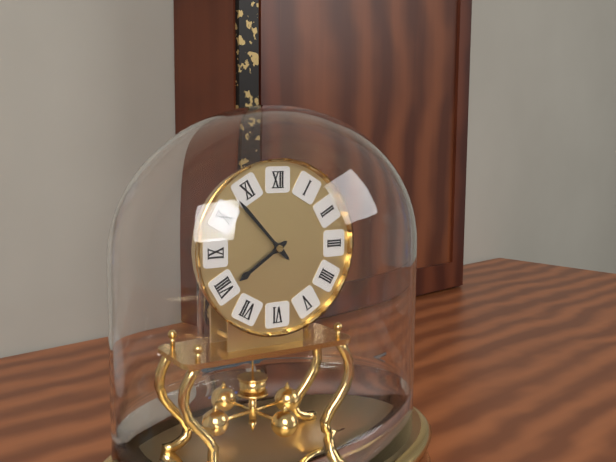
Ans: 7:53
